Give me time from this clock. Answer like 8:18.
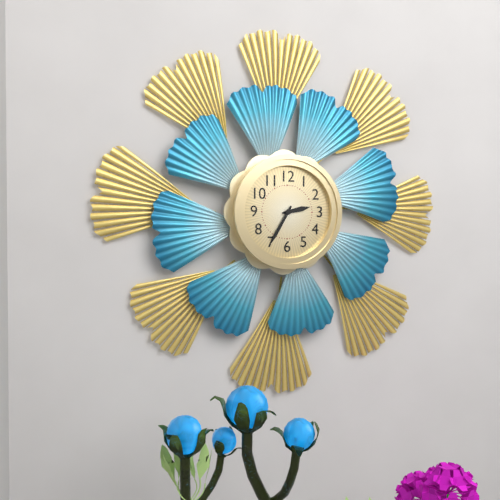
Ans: 2:35
